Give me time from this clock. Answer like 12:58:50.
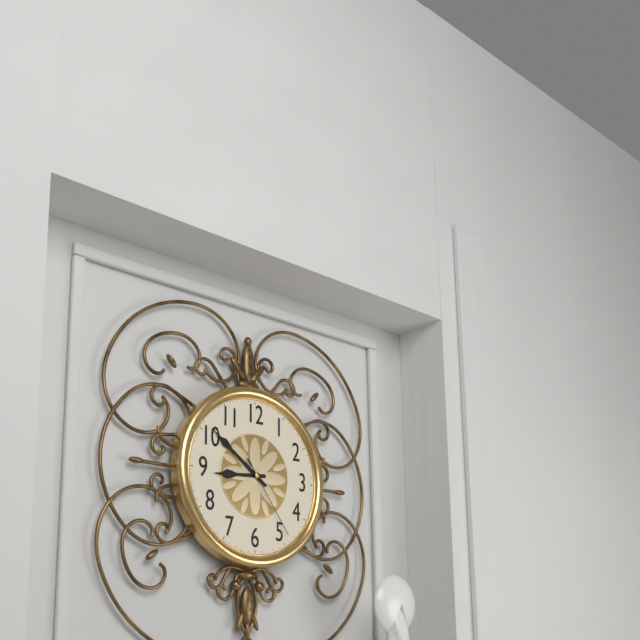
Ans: 8:51:24
